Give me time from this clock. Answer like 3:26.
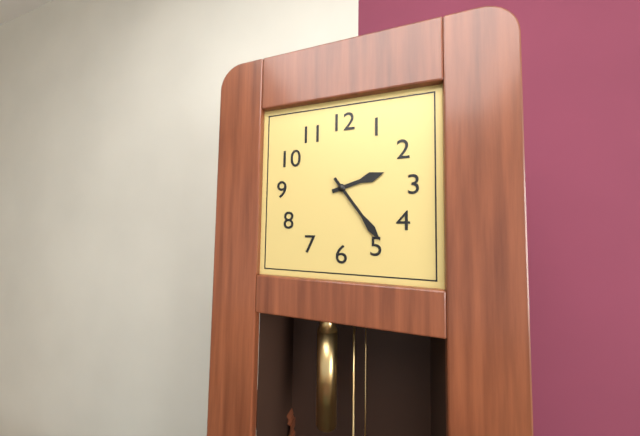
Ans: 2:24
